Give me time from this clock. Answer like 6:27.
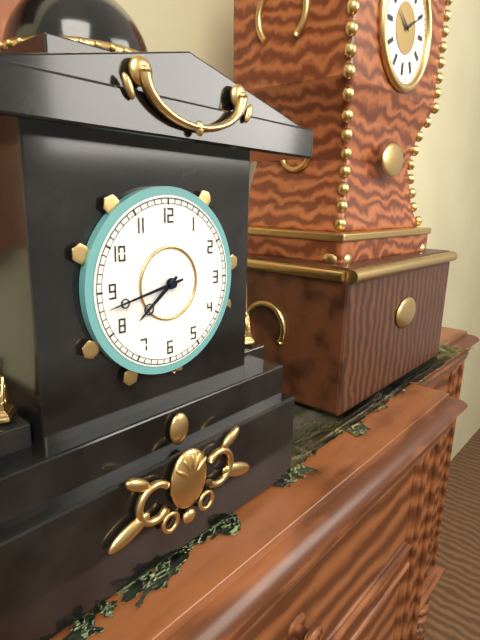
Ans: 7:43
